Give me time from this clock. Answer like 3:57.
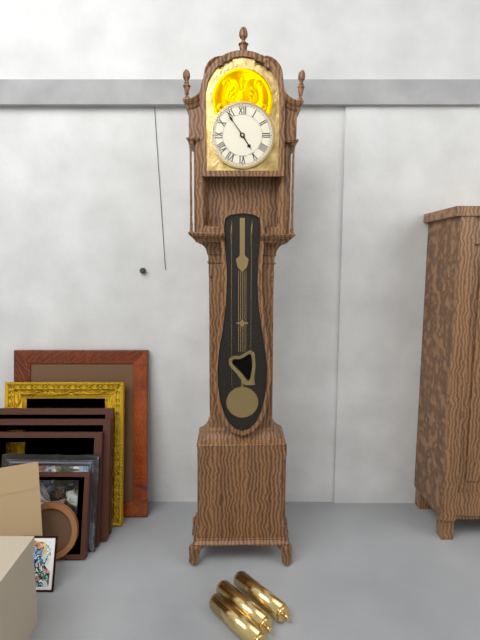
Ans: 4:54
